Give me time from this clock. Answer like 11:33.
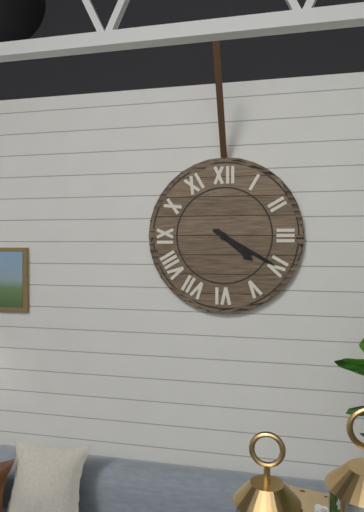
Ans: 4:20
